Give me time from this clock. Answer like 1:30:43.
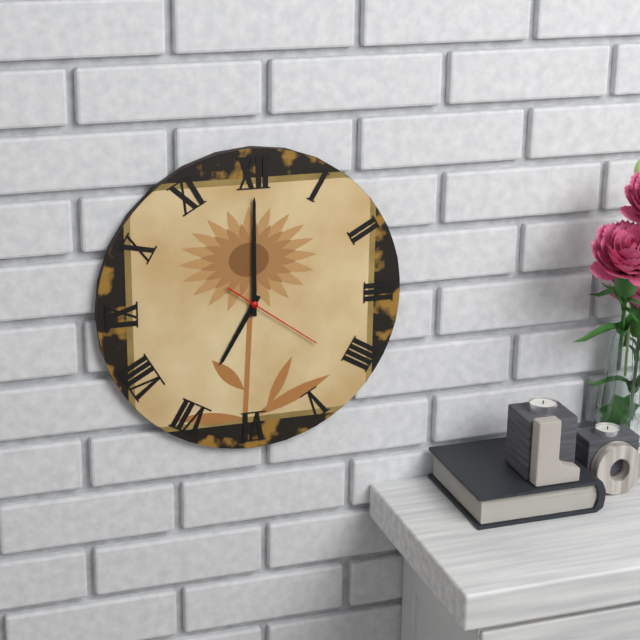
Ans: 7:00:21
